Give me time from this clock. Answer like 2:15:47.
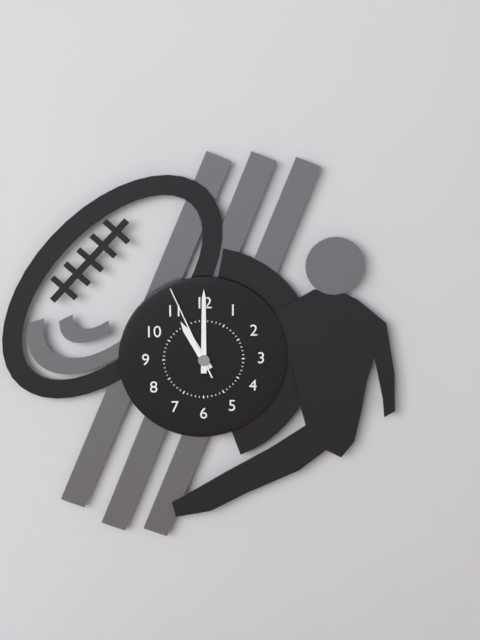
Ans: 11:00:56
